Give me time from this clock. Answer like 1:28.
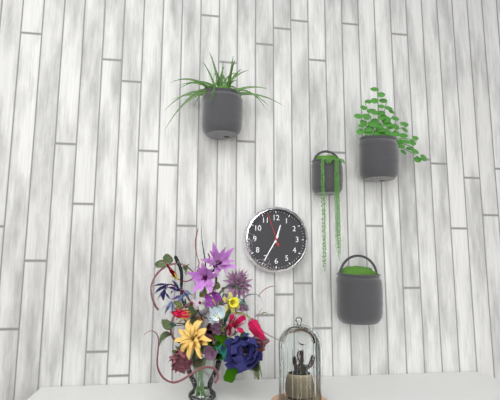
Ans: 12:35
